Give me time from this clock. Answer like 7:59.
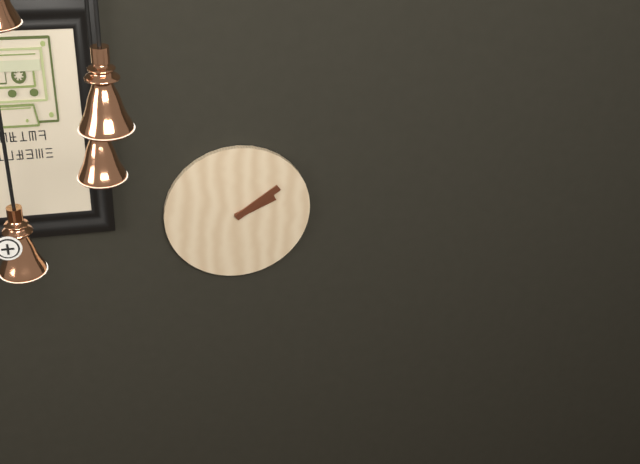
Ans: 2:09
